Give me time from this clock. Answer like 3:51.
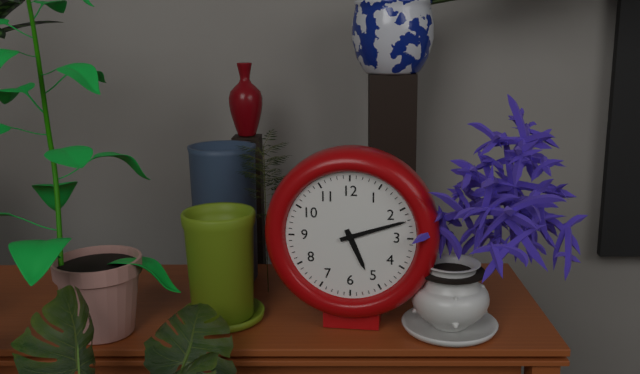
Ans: 5:12
